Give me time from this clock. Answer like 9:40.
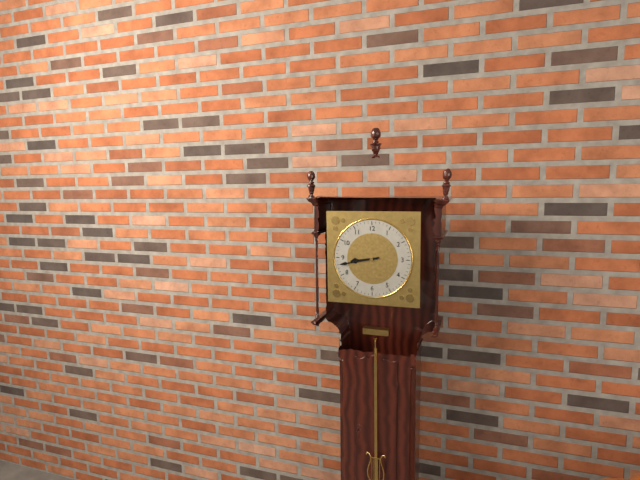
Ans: 8:43
